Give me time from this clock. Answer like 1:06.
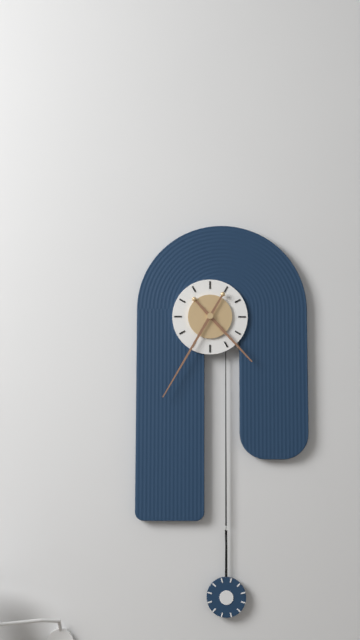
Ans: 4:35
